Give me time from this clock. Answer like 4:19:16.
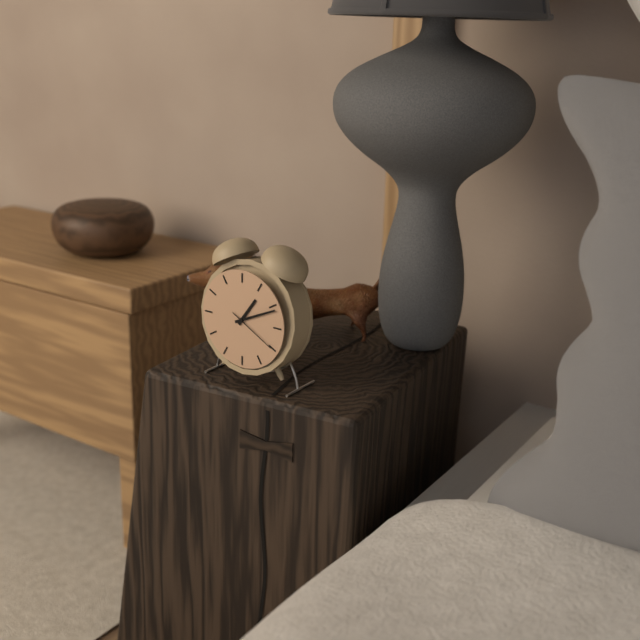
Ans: 1:11:20
